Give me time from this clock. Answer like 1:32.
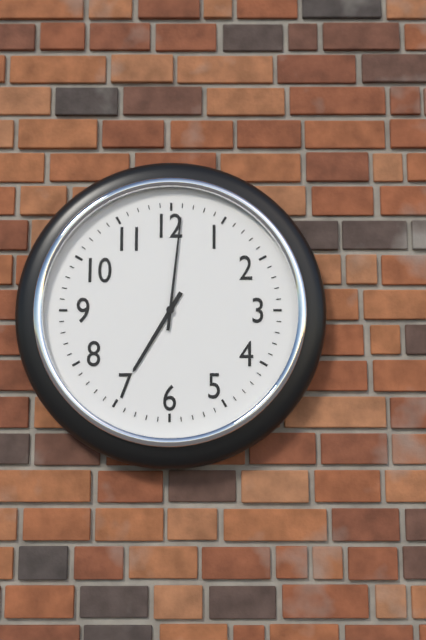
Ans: 7:01
